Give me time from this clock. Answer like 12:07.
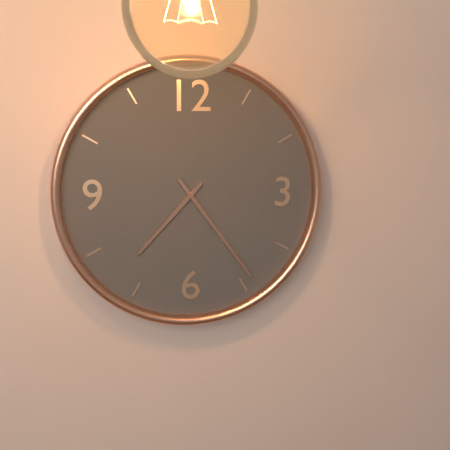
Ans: 7:24
